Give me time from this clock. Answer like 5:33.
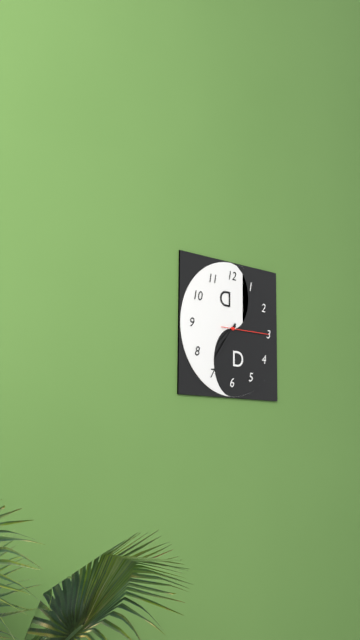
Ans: 7:36
